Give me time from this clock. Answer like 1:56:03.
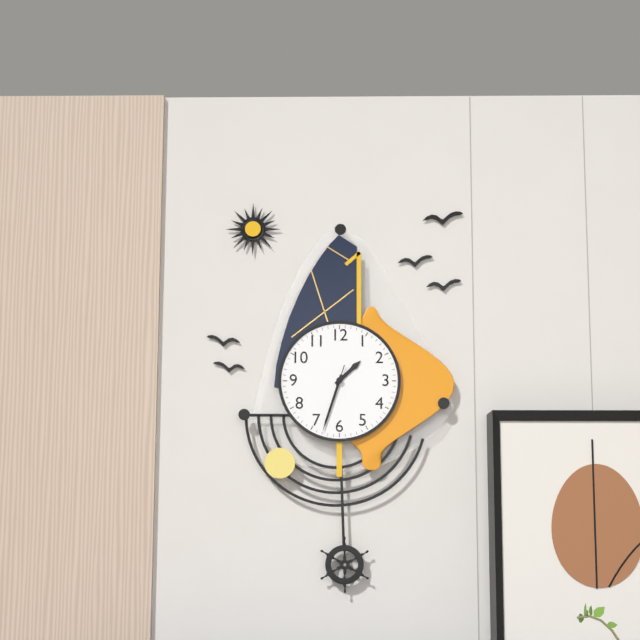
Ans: 1:33:33
